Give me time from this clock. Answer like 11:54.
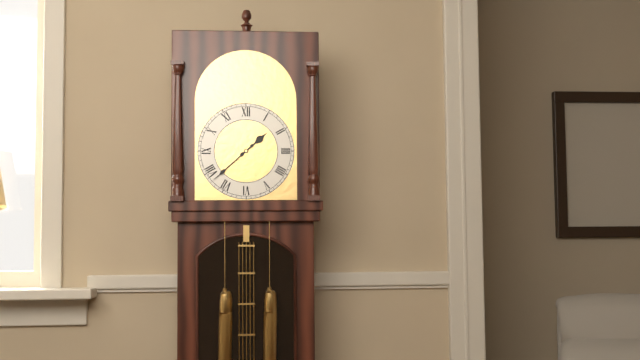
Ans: 1:38
